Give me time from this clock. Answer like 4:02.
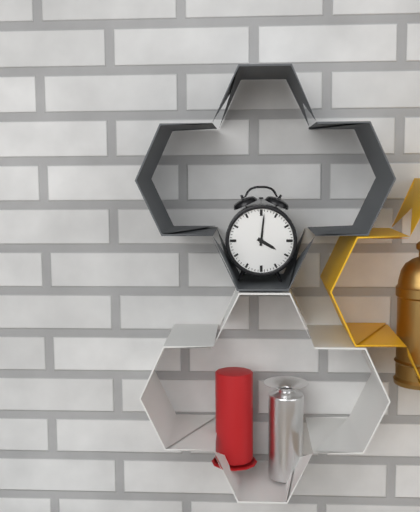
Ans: 4:01
